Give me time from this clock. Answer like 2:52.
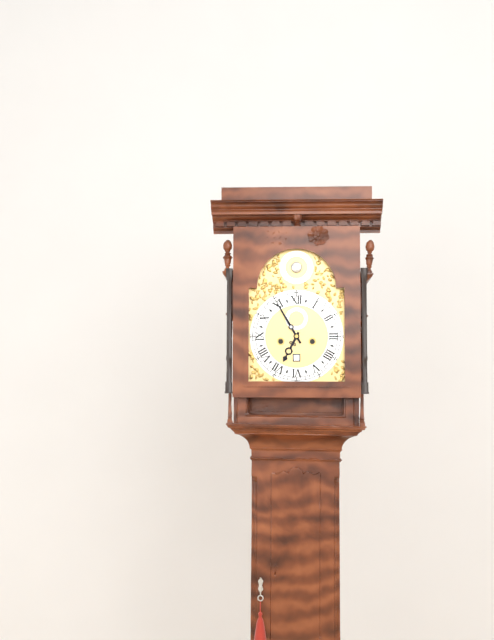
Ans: 6:55
